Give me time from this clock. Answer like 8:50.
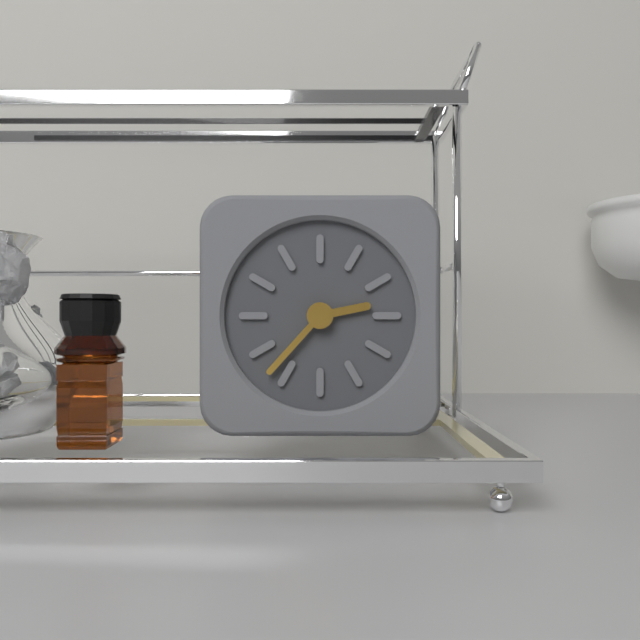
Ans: 2:37
